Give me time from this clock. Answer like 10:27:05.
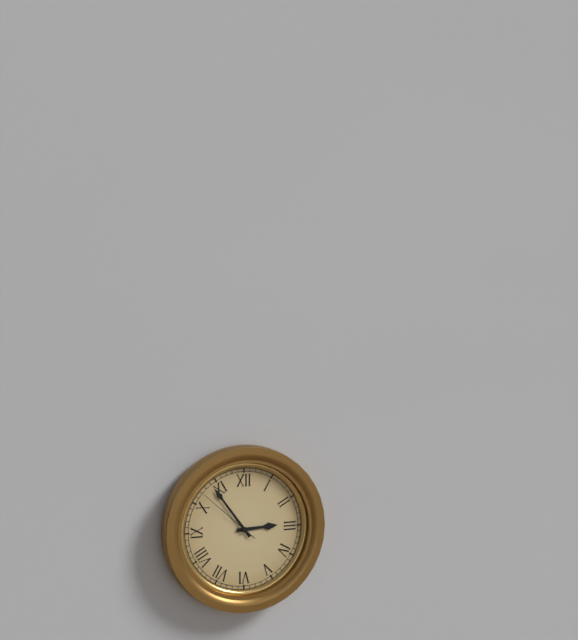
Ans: 2:54:52
